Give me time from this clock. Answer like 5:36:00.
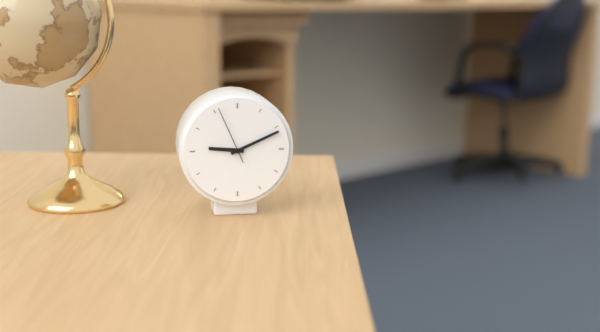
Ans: 9:11:56
